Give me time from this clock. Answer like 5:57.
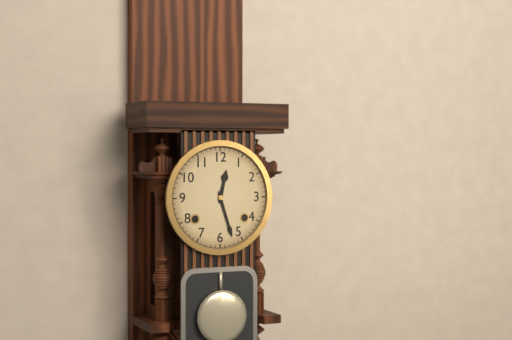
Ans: 12:27
